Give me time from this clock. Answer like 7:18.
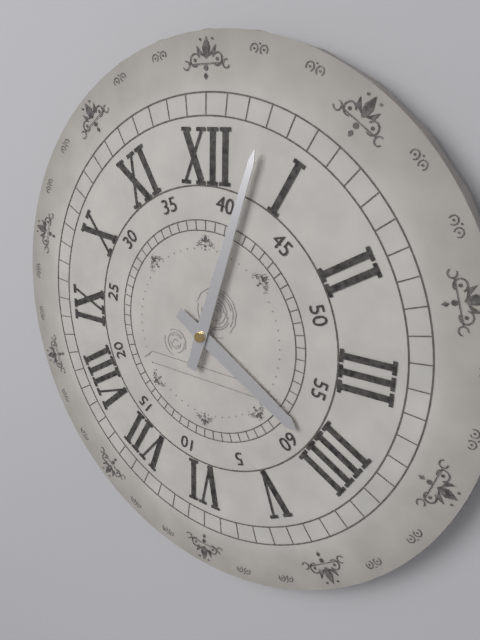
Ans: 4:03
